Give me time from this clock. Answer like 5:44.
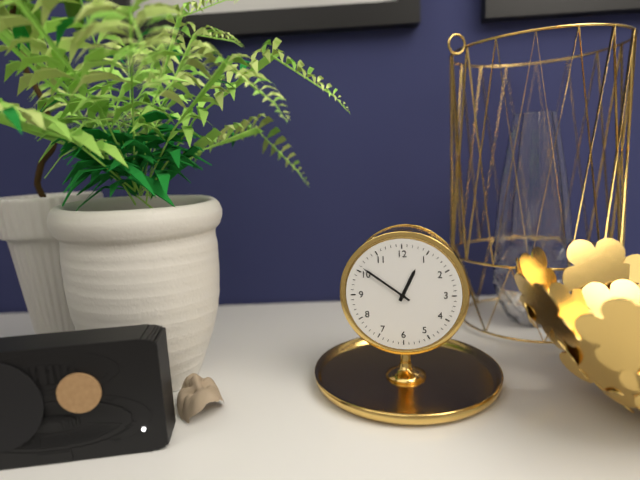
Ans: 12:51
